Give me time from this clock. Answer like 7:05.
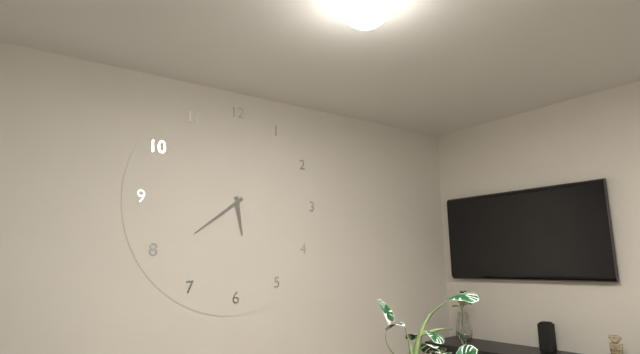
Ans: 5:39
